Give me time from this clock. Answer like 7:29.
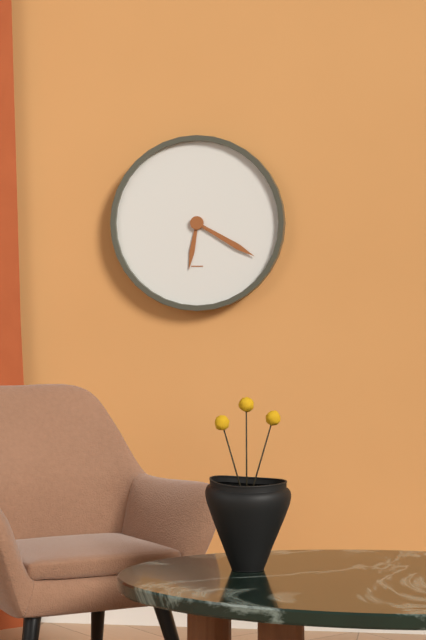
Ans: 6:20
